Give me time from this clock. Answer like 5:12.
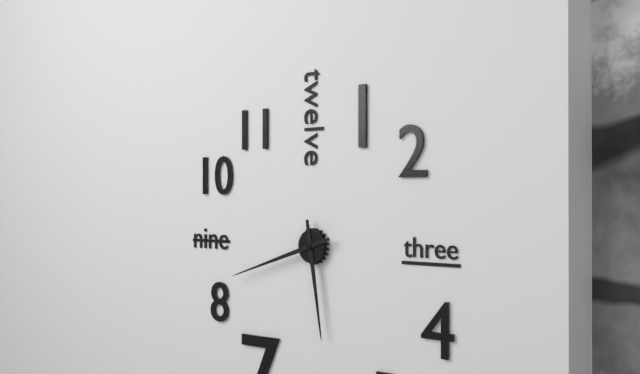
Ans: 5:42
